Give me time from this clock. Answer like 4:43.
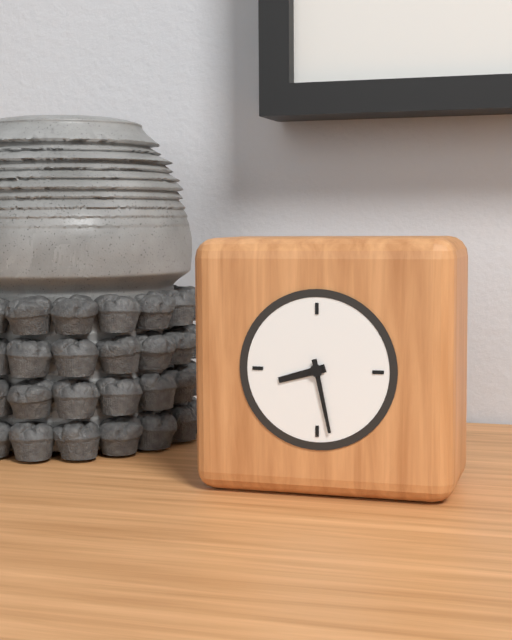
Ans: 8:28
